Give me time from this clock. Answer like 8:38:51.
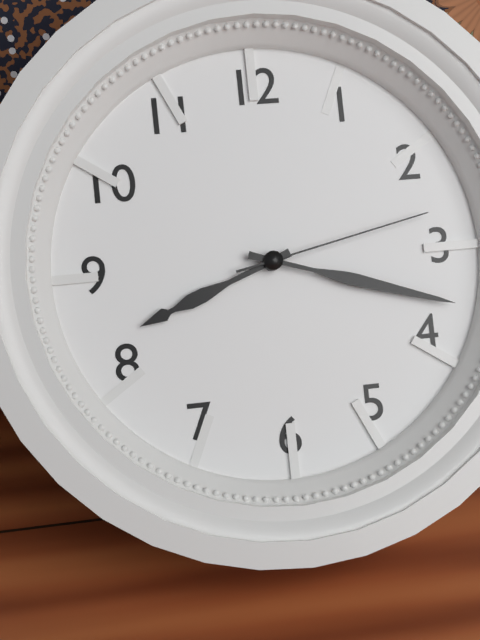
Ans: 8:18:13
